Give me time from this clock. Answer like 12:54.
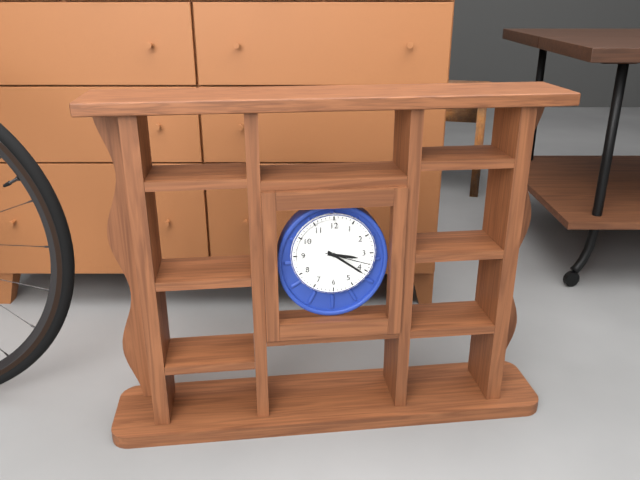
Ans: 3:21
